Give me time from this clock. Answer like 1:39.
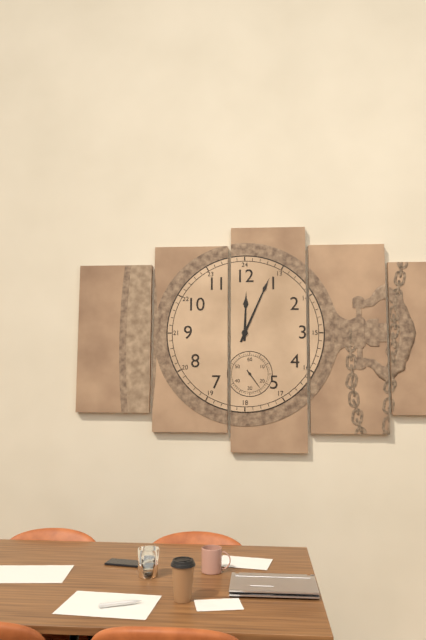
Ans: 12:04
